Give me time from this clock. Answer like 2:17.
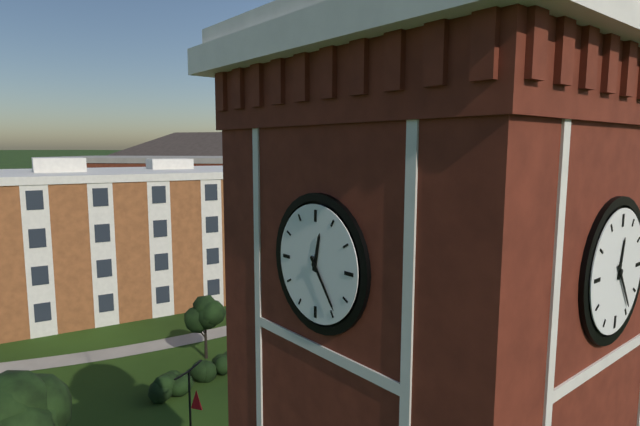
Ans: 12:24
